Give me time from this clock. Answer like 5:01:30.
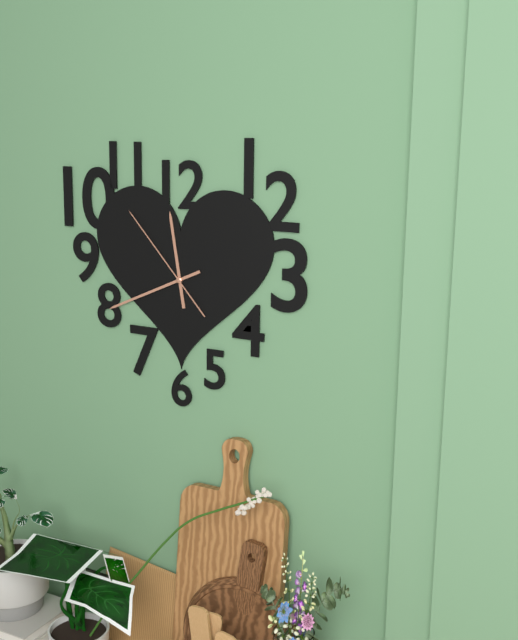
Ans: 11:41:53
